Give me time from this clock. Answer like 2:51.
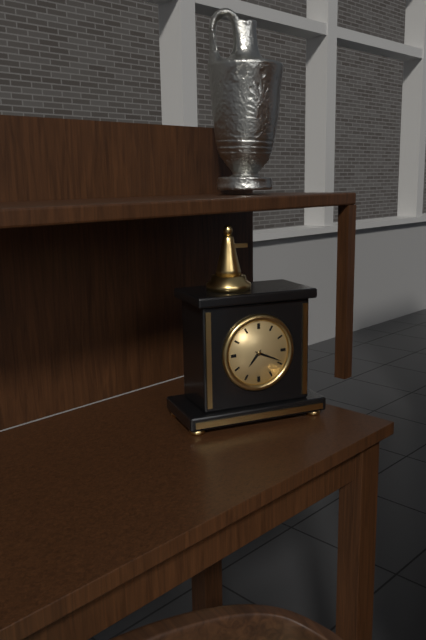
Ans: 7:19
